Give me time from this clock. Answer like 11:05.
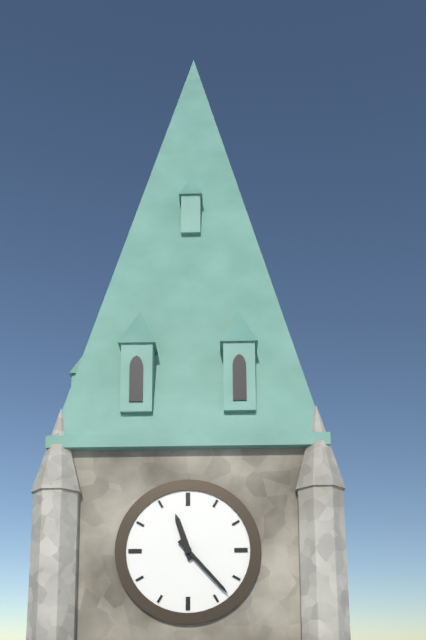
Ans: 11:23
